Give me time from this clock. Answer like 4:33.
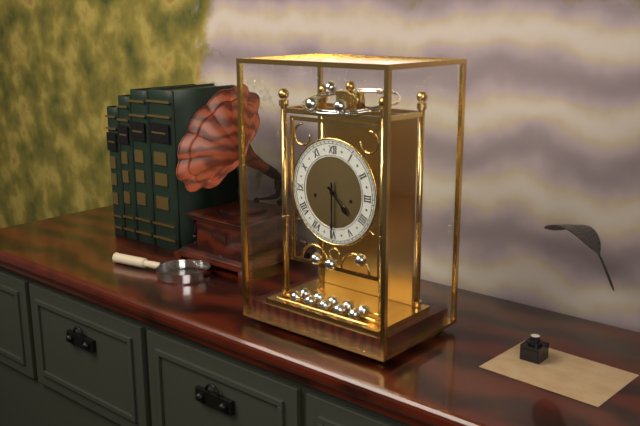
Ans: 4:30
